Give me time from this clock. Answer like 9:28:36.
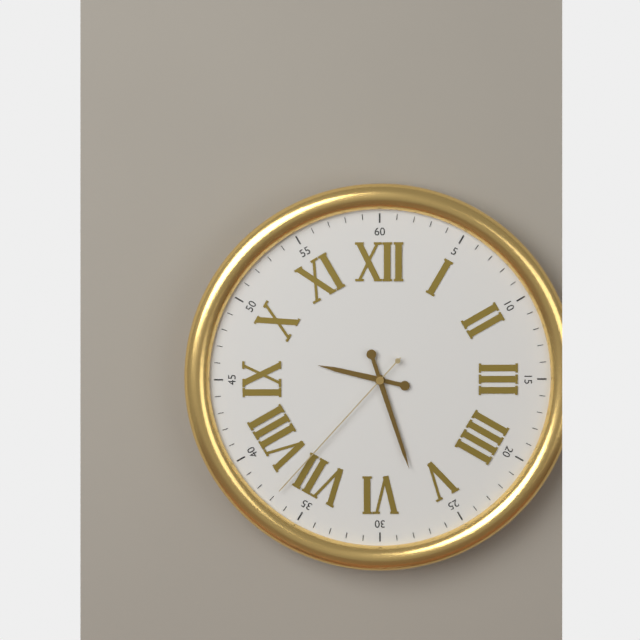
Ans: 9:27:37
